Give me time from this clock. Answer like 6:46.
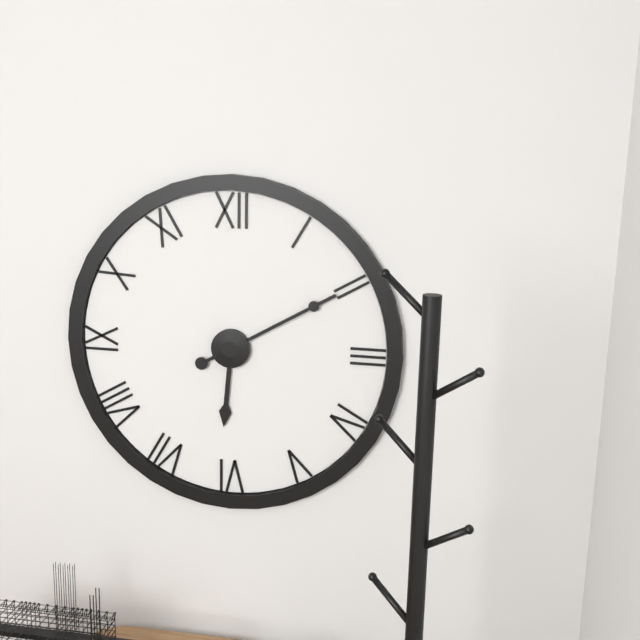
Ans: 6:10
